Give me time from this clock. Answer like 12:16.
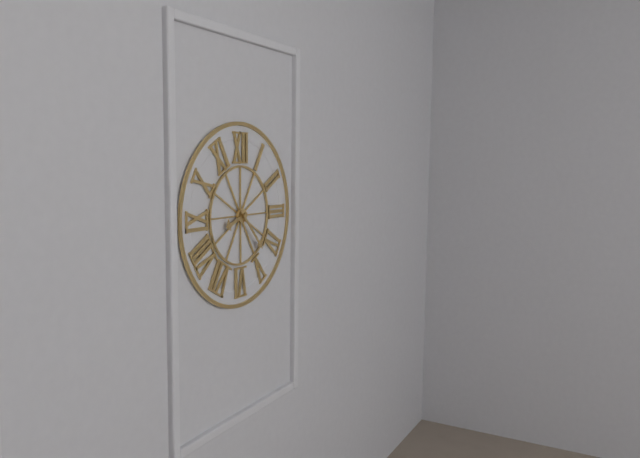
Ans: 8:23
